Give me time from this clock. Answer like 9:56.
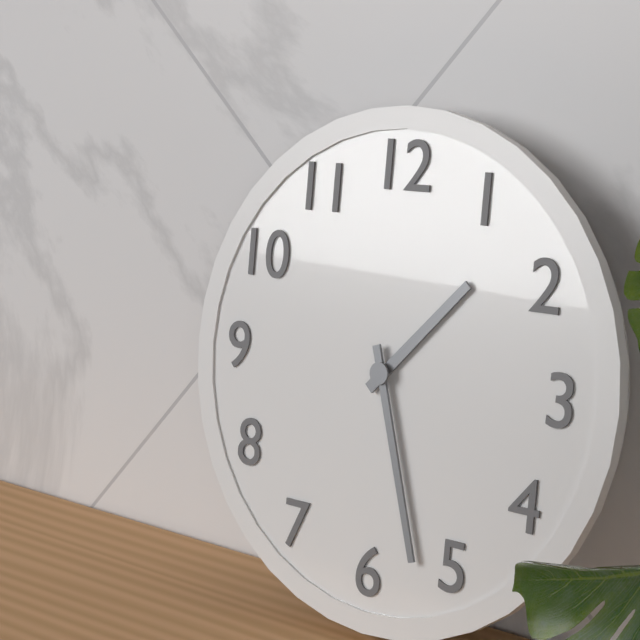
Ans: 1:27
